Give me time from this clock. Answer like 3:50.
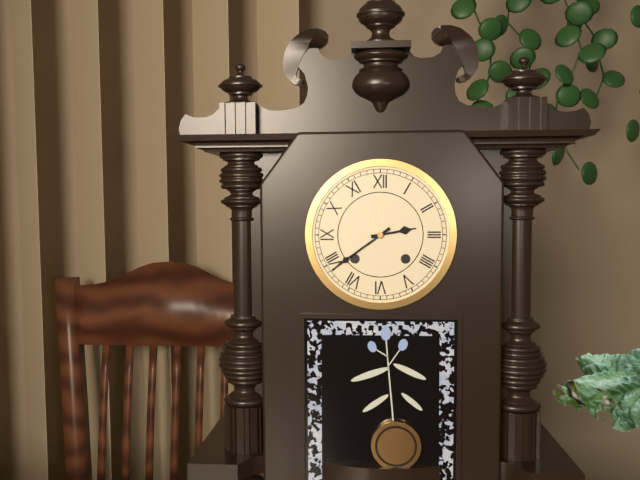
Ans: 2:39
